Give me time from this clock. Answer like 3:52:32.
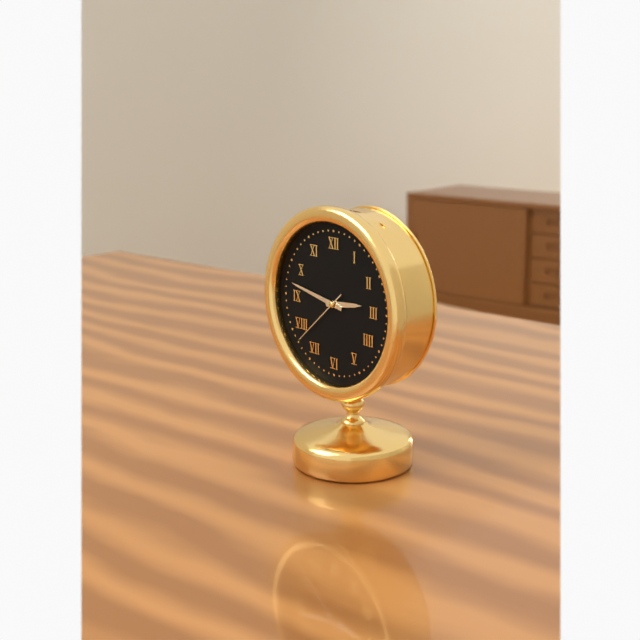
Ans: 2:47:38
